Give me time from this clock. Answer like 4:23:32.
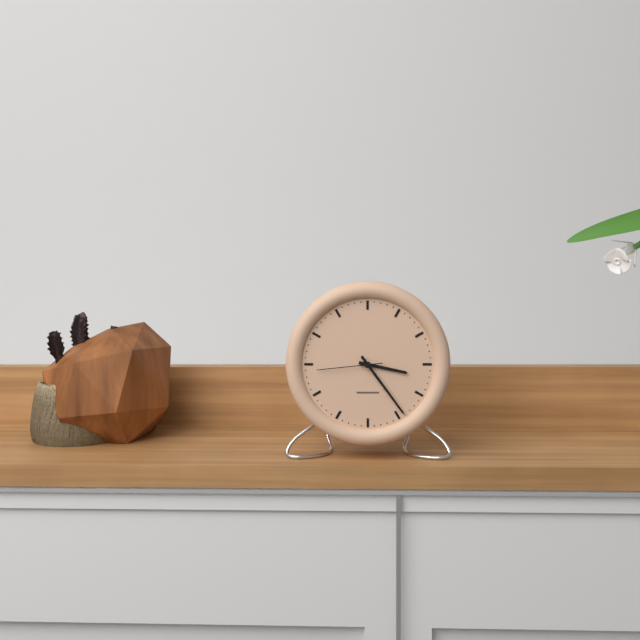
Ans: 3:24:44
